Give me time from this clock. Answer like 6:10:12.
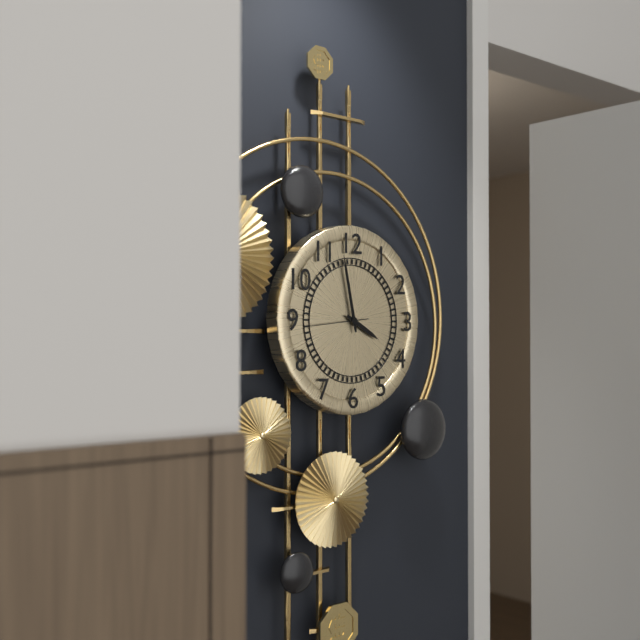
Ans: 3:58:44
